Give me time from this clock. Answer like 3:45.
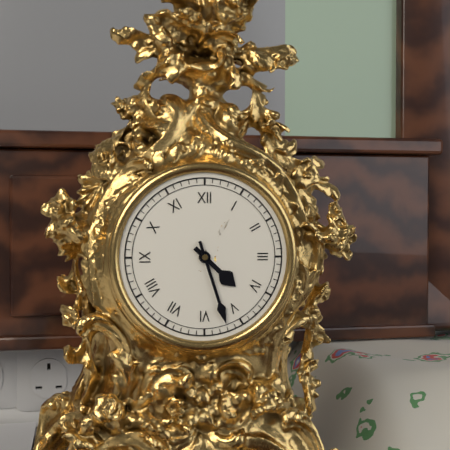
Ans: 4:27
